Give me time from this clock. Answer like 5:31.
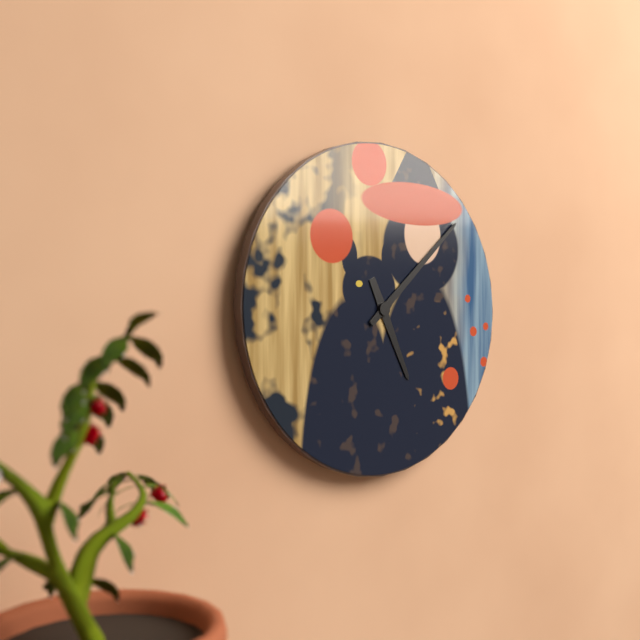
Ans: 5:08
